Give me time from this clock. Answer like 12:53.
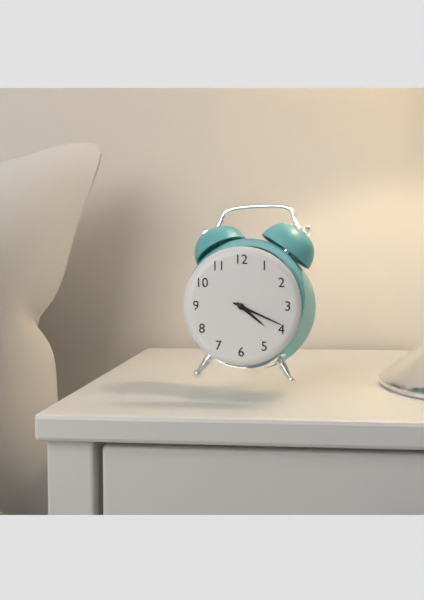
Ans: 4:19
